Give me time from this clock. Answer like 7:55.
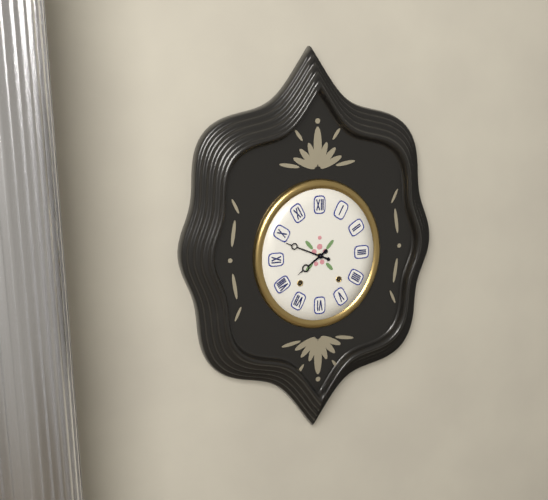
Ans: 7:49
